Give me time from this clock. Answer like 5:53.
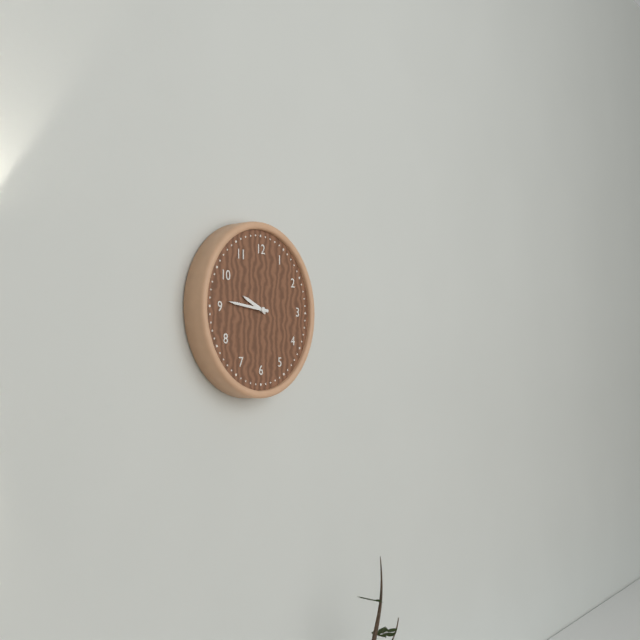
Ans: 9:46
